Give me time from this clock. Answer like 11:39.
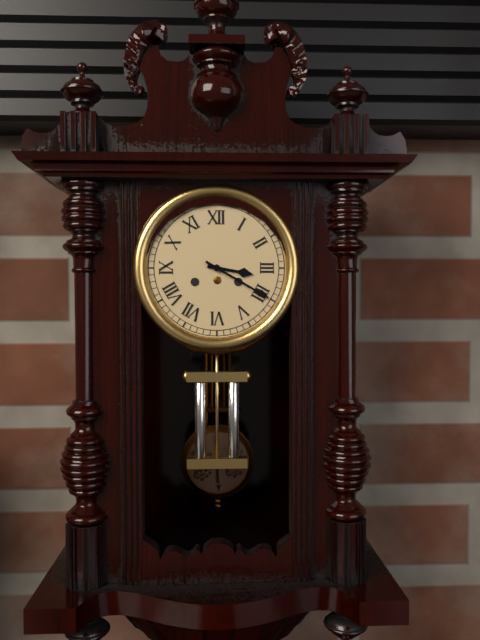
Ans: 3:20
